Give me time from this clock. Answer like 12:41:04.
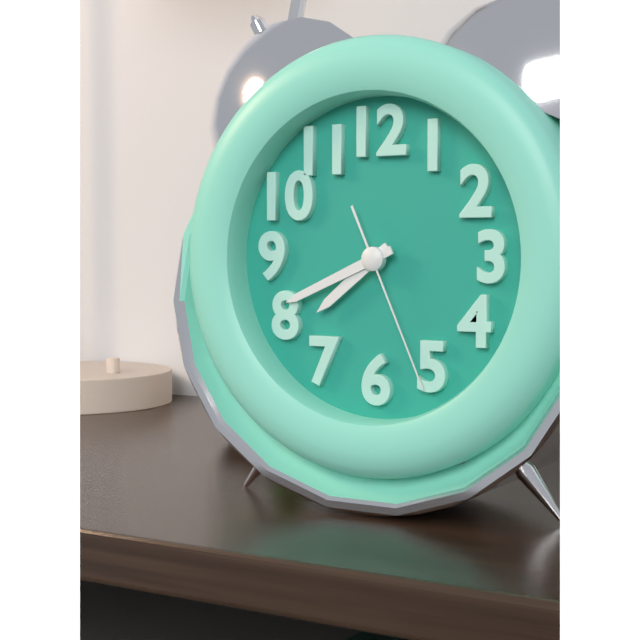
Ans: 7:41:26
